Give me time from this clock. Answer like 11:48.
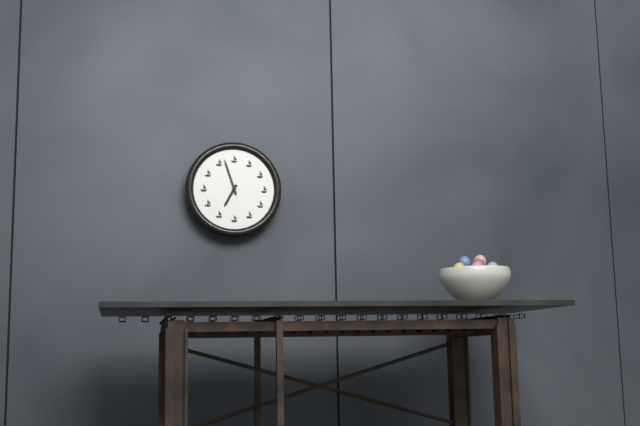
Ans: 6:57
